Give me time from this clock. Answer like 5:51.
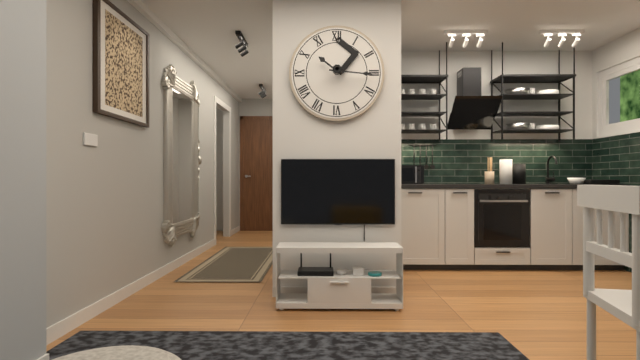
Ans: 10:16
